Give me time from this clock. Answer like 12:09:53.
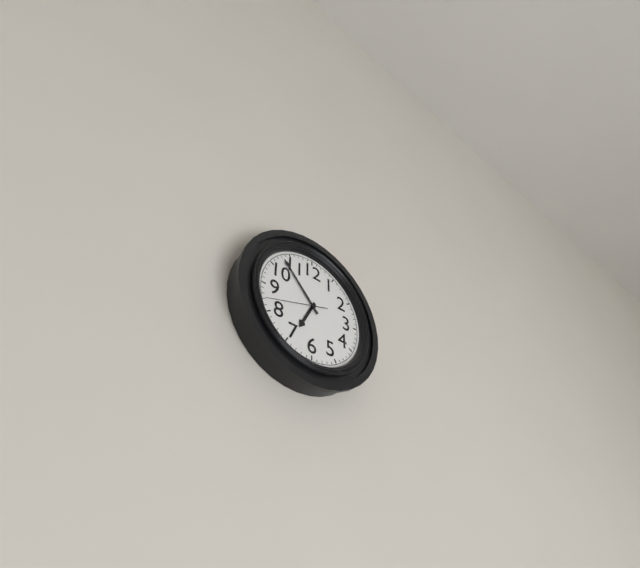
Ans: 6:53:42
